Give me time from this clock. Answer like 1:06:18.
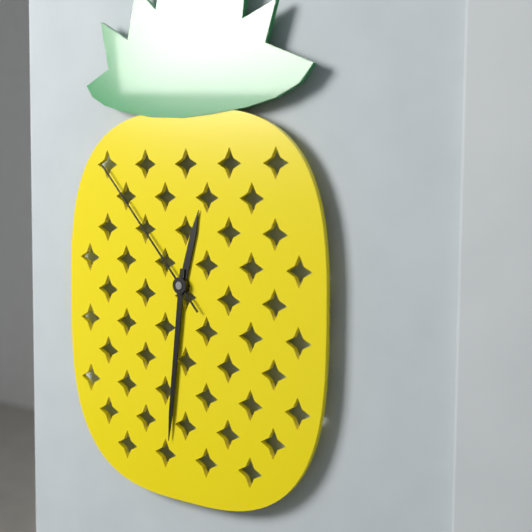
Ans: 12:31:53
